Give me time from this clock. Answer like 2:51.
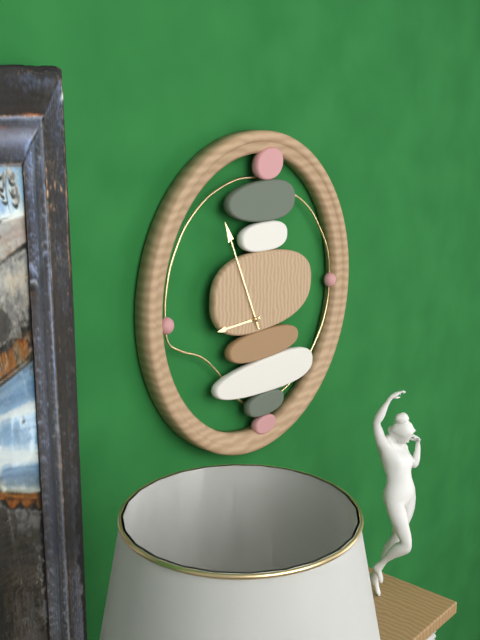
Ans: 8:56
